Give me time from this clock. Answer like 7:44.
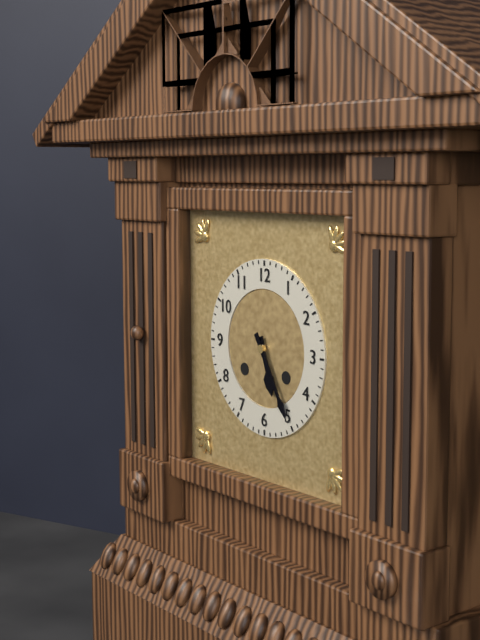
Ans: 5:25
